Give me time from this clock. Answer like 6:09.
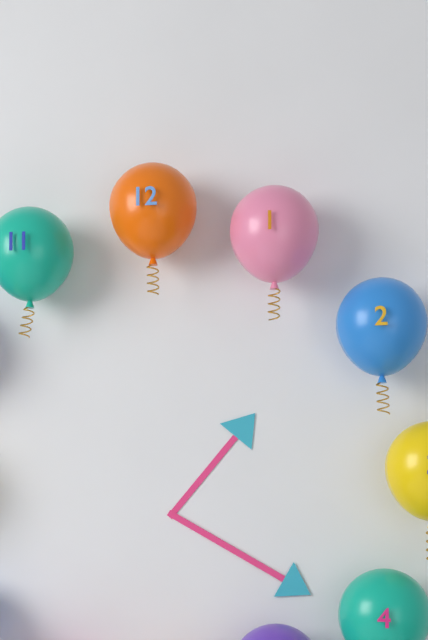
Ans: 1:20
